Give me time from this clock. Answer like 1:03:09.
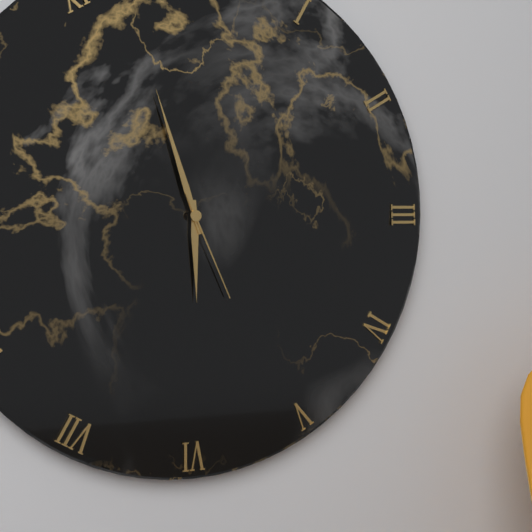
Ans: 5:57:26
